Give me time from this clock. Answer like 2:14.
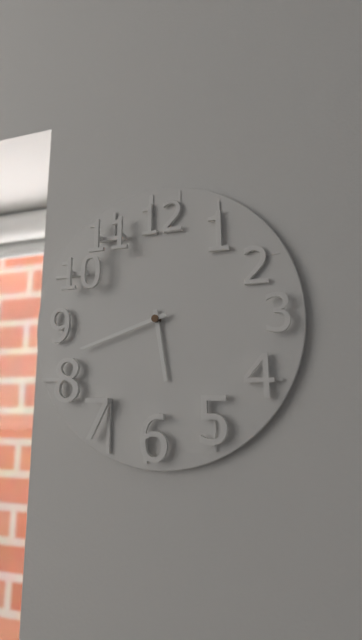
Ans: 5:42
